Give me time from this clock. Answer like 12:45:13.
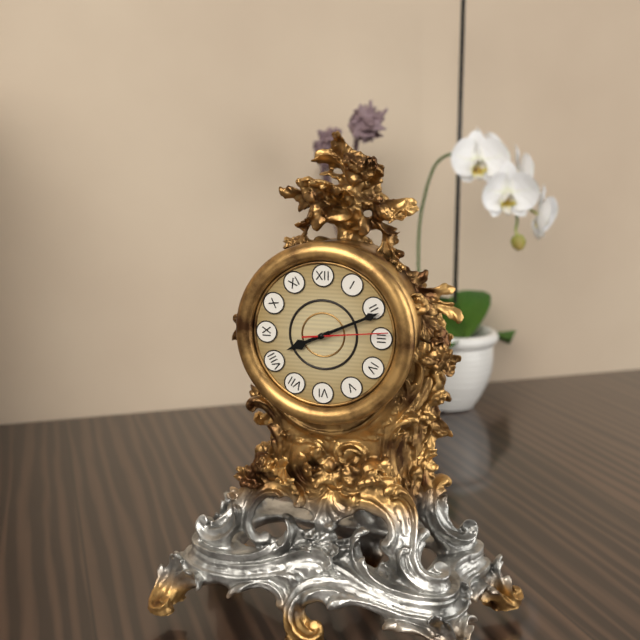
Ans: 8:11:14
